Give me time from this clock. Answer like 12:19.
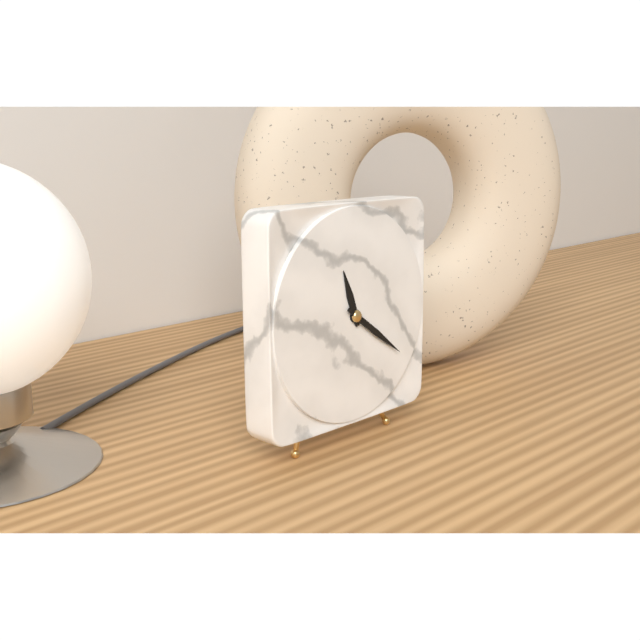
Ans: 11:21
